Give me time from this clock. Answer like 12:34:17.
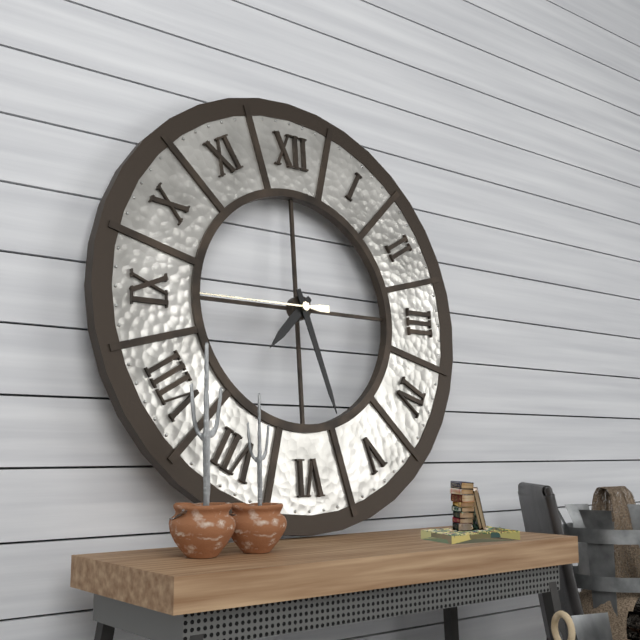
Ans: 7:27:45
